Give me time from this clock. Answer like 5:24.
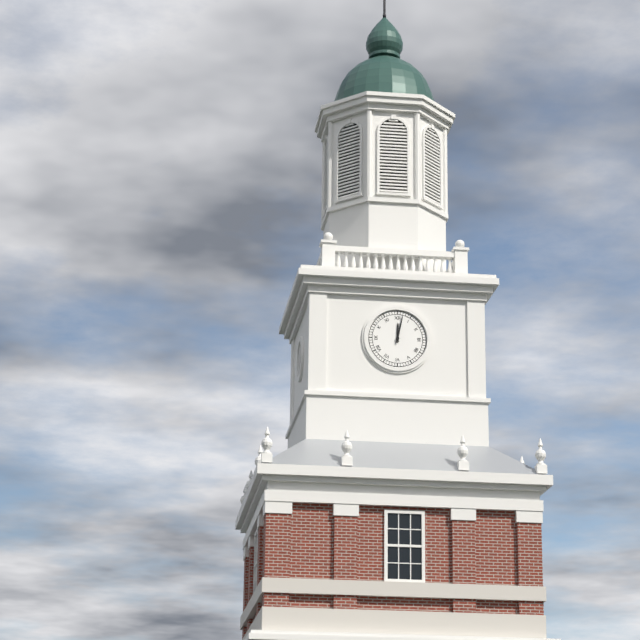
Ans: 12:02
